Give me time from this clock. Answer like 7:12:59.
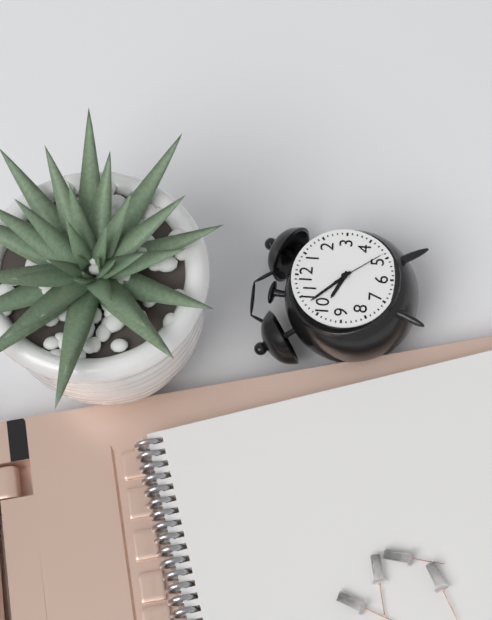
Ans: 9:53:24
